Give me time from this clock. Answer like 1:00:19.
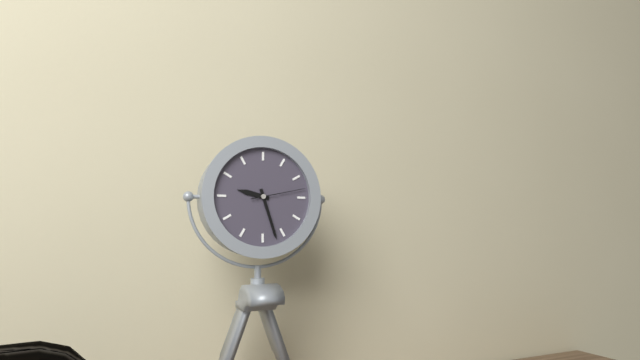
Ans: 9:27:13
